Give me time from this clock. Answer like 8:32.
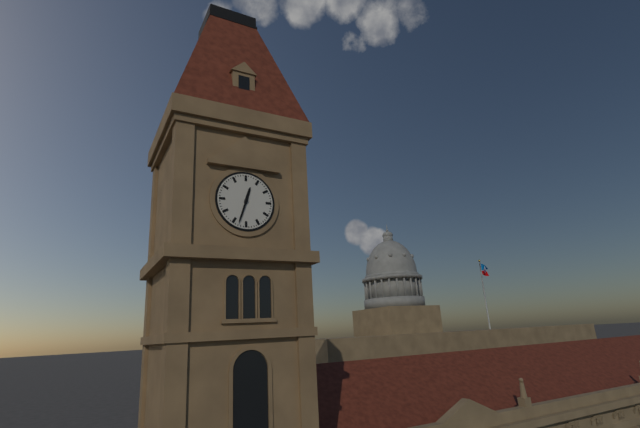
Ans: 12:33
